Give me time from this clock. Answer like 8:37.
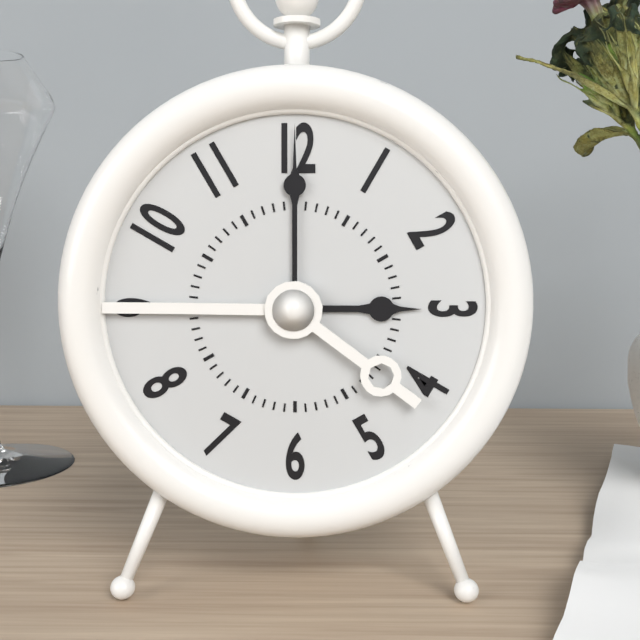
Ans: 3:00
